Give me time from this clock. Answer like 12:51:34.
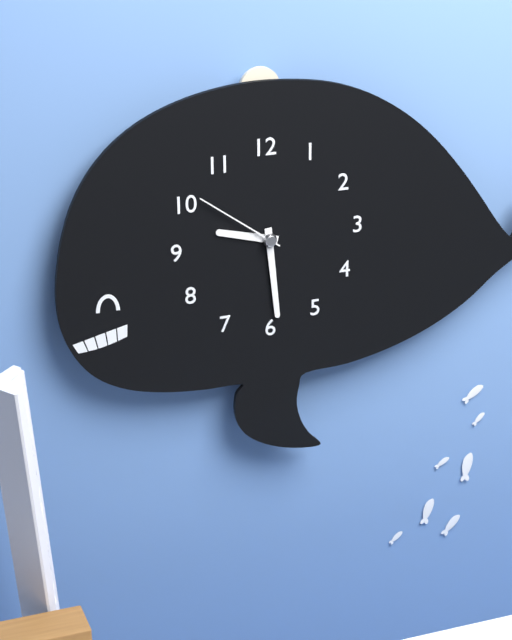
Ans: 9:29:51
